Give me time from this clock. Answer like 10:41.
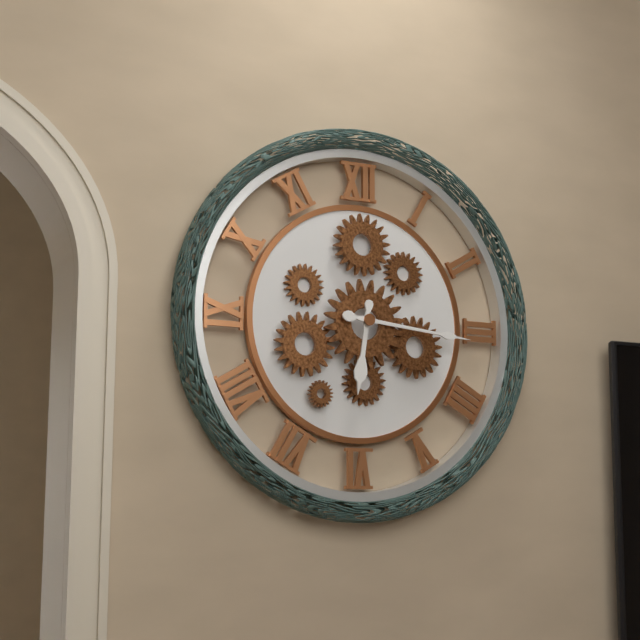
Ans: 6:16
